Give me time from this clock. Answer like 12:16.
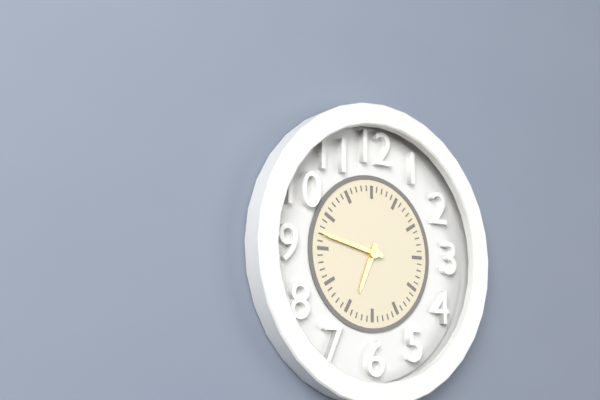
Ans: 6:47
